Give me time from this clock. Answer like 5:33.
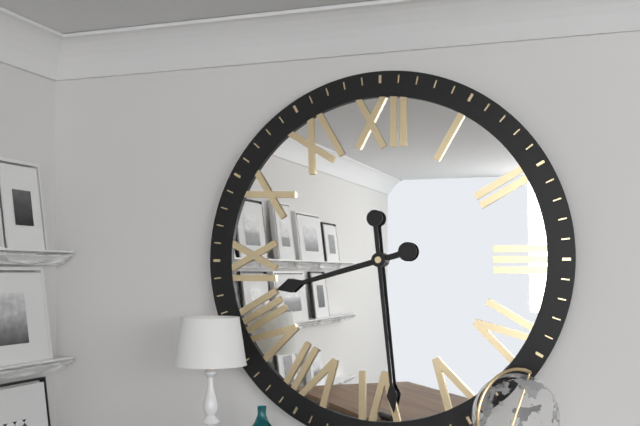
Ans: 8:29
